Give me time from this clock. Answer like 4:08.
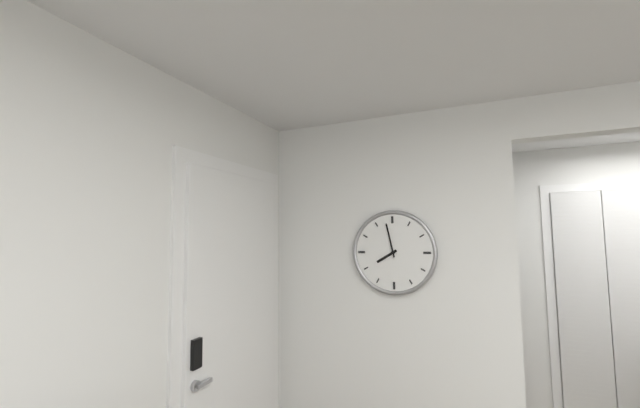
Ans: 7:58
